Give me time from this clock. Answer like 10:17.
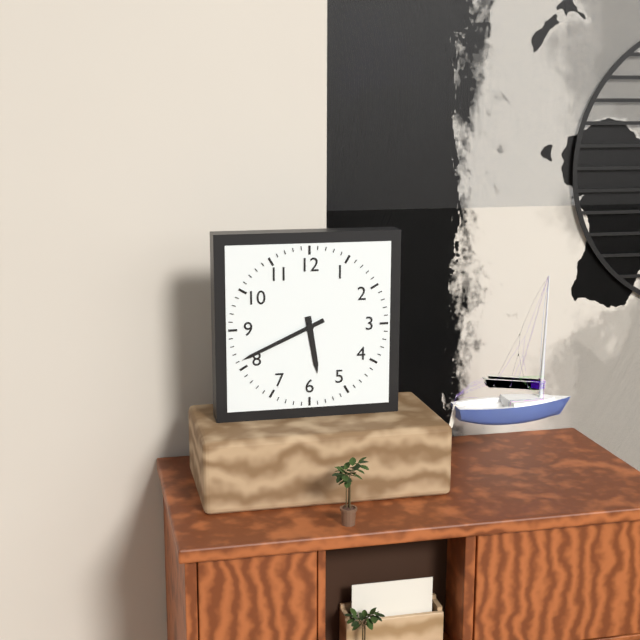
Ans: 5:41
